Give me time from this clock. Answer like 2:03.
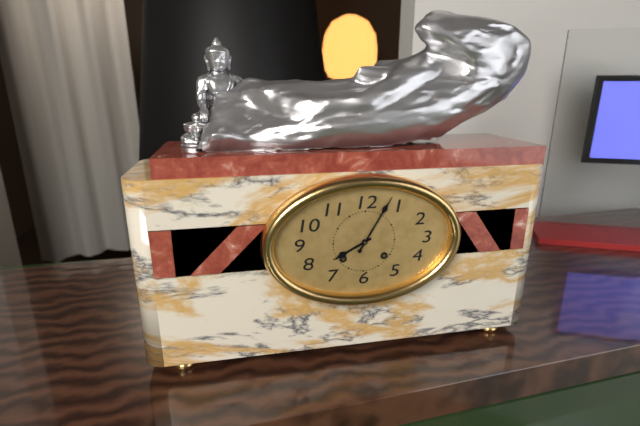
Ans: 8:05
